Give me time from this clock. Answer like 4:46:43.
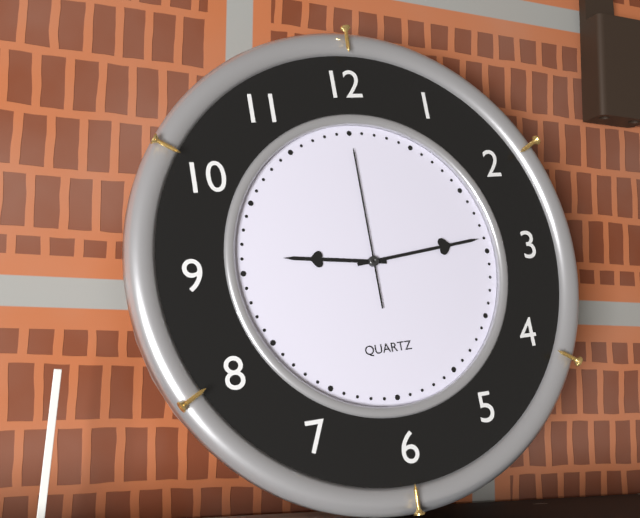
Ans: 9:14:00
